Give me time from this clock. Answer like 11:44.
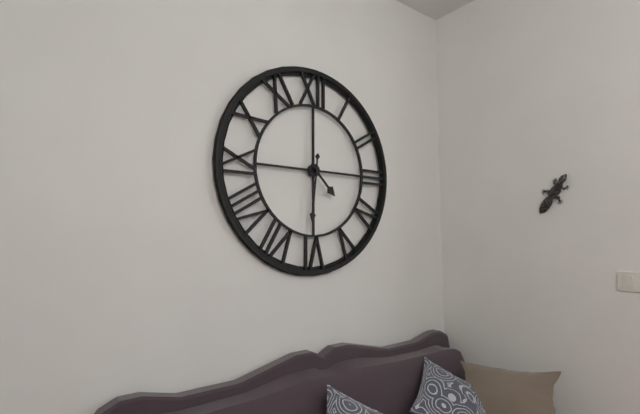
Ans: 4:31
